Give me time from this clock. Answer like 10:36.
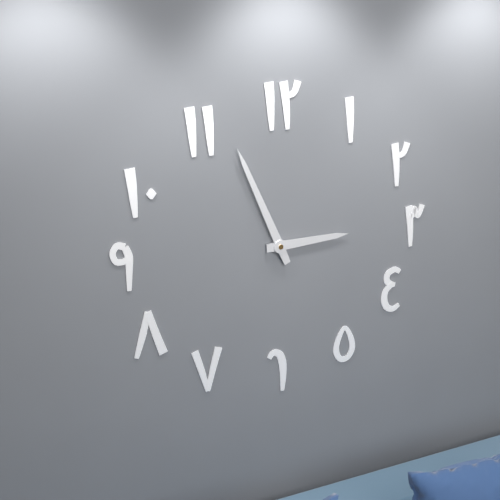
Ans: 2:56
